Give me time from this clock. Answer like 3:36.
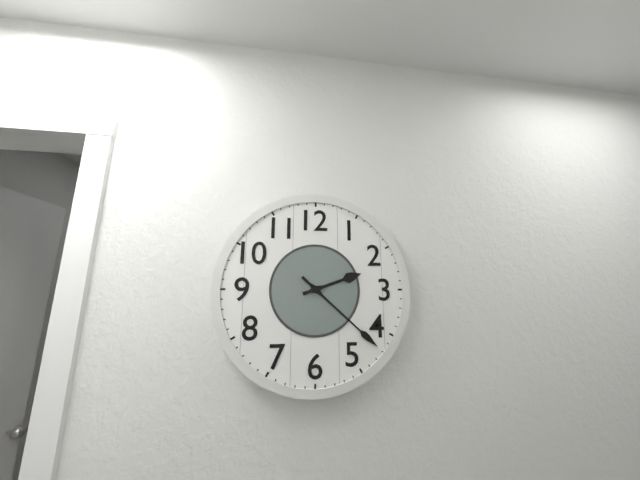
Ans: 2:22
